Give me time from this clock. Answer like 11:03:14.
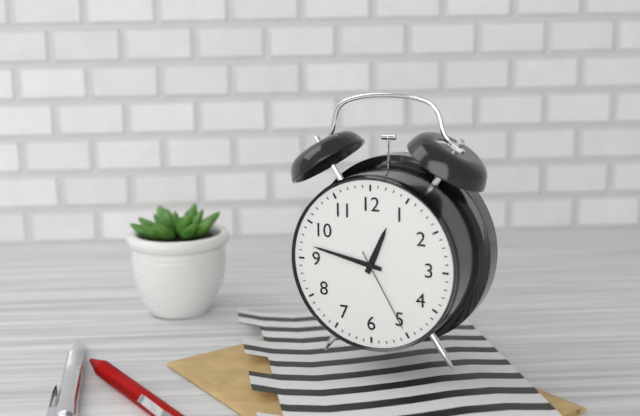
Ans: 12:47:25
